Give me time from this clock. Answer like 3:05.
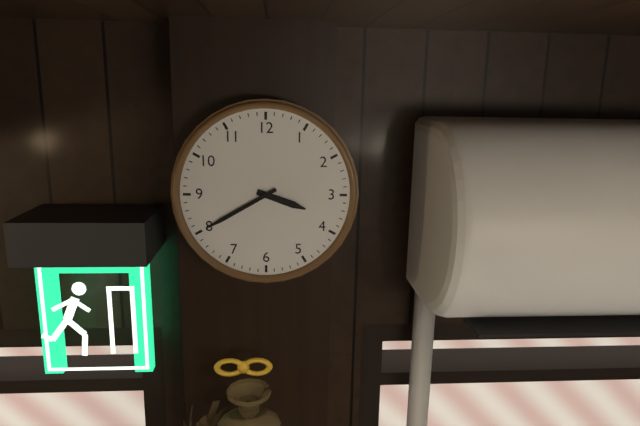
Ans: 3:40
